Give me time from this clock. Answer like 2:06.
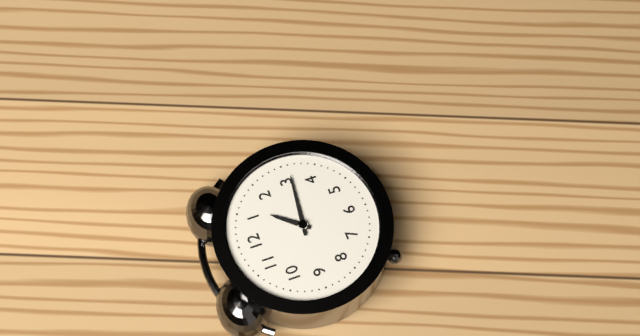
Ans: 1:16
